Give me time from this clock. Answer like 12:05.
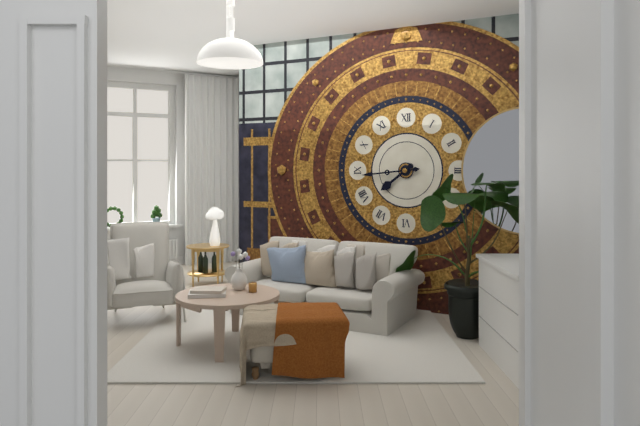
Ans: 7:44
